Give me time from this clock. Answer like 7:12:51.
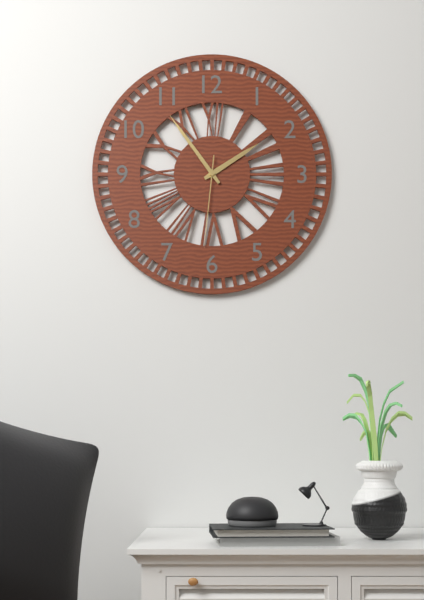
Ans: 1:54:31
